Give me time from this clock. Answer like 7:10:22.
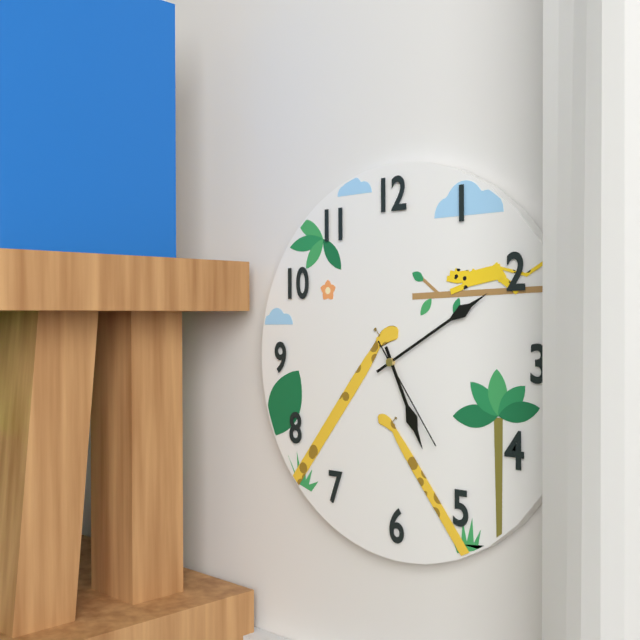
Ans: 5:10:24
